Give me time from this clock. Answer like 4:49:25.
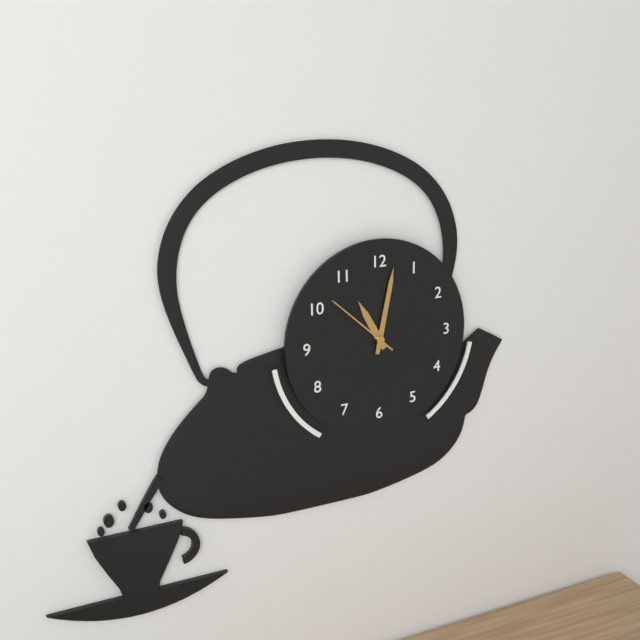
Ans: 11:02:52
